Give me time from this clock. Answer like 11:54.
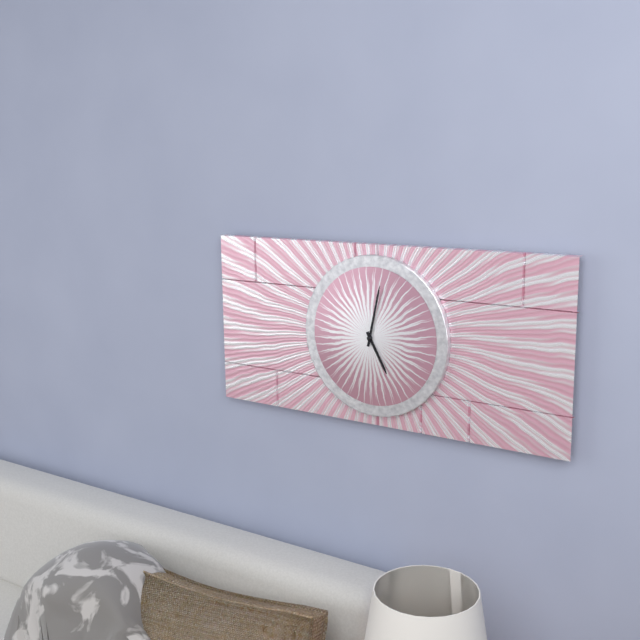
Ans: 5:02
